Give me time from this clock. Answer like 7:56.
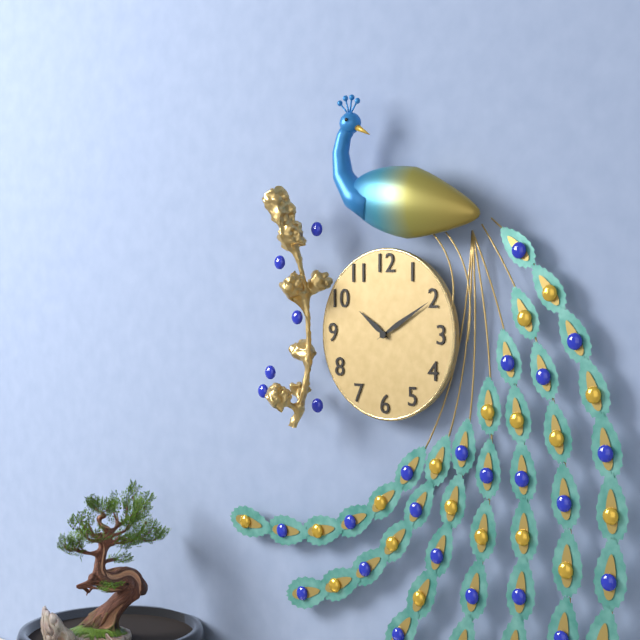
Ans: 10:10
